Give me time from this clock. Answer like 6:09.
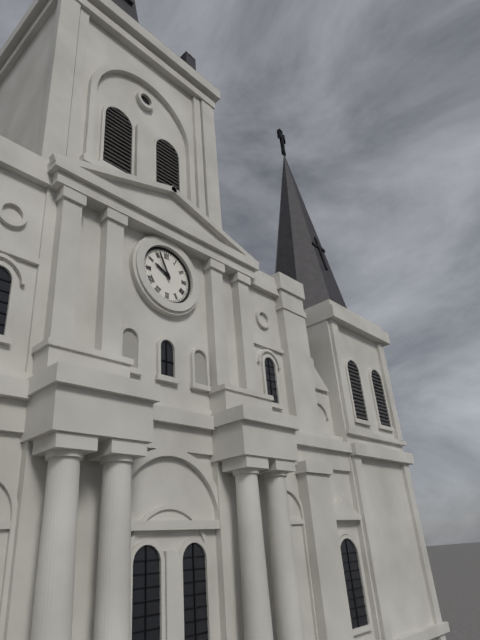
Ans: 9:56
